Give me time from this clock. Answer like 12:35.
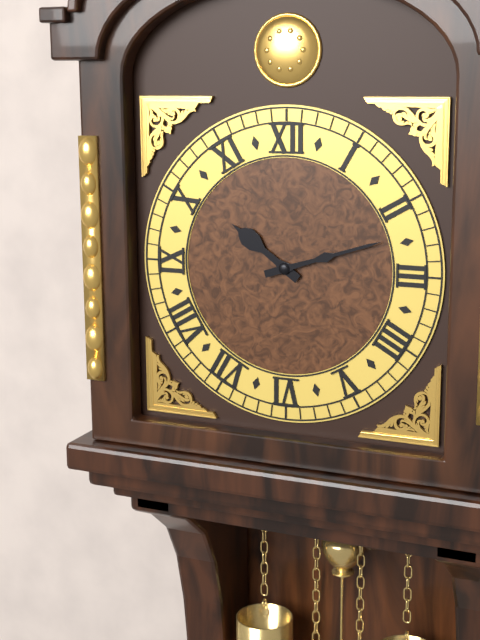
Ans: 10:12
